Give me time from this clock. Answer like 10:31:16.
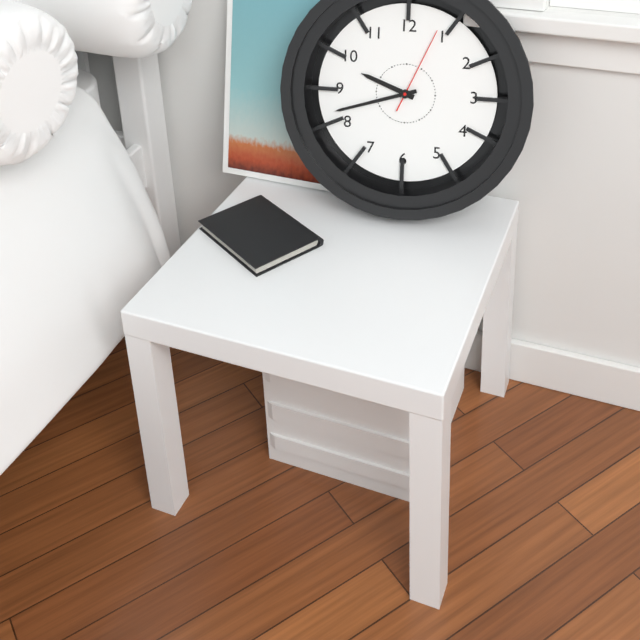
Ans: 9:42:04
